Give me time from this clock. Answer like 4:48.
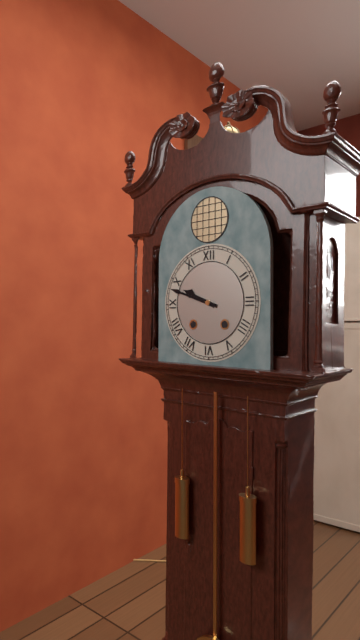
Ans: 9:48
